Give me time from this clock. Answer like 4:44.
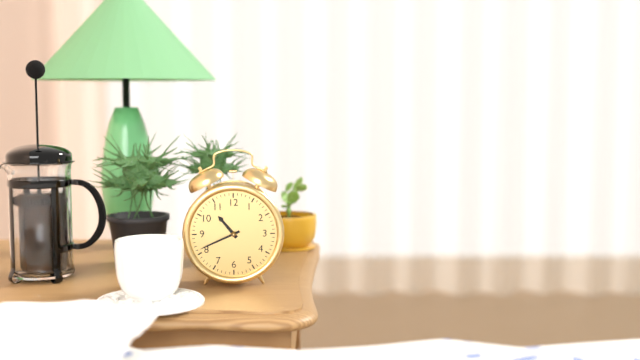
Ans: 10:41
